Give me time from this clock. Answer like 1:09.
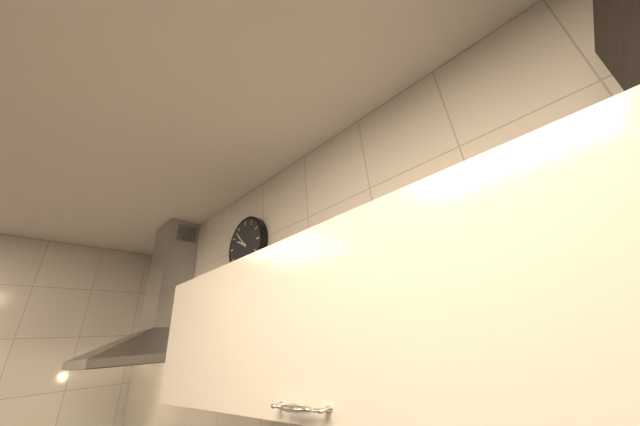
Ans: 9:53
